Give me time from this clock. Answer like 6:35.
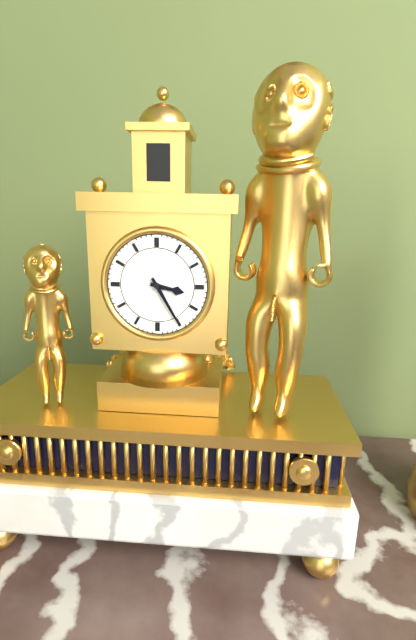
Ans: 3:25
